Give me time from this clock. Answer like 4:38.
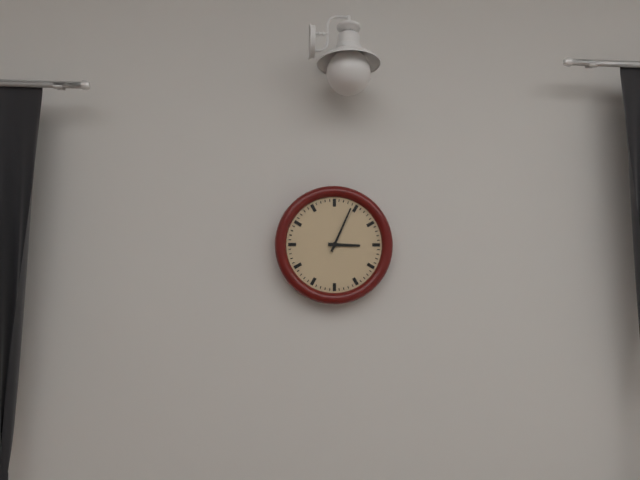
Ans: 3:04
